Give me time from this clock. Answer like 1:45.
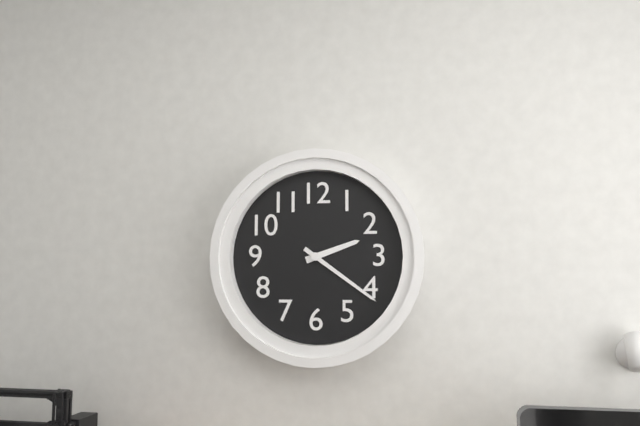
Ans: 2:21
